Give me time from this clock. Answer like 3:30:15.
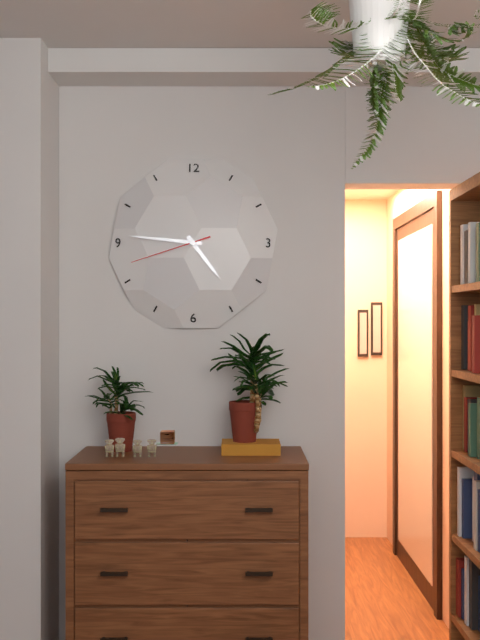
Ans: 4:46:42
